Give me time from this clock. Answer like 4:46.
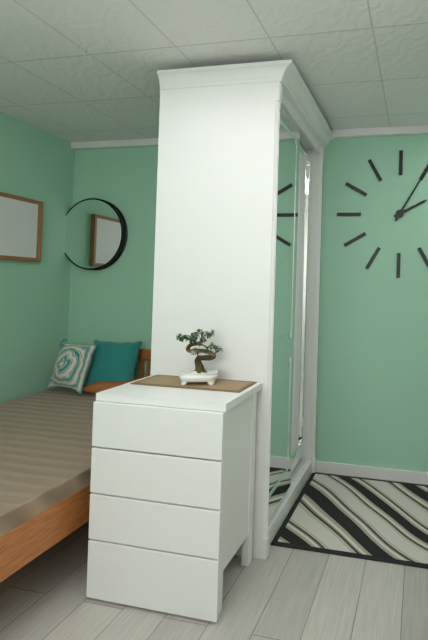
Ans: 2:05
